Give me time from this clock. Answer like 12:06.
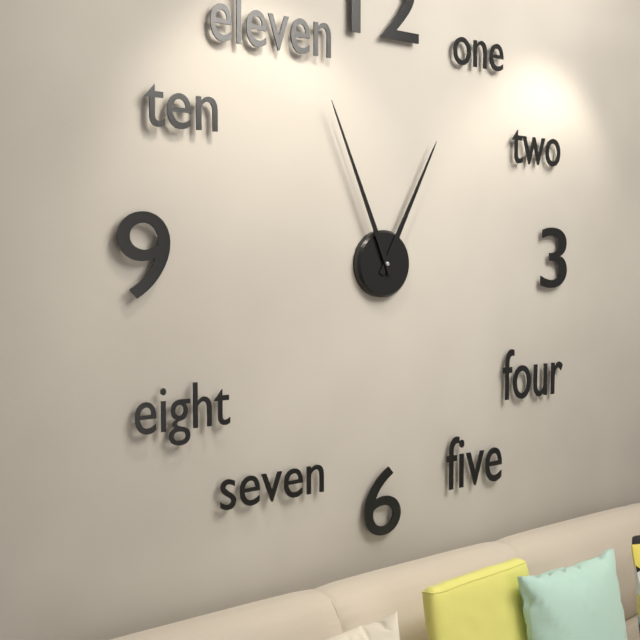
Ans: 12:56
